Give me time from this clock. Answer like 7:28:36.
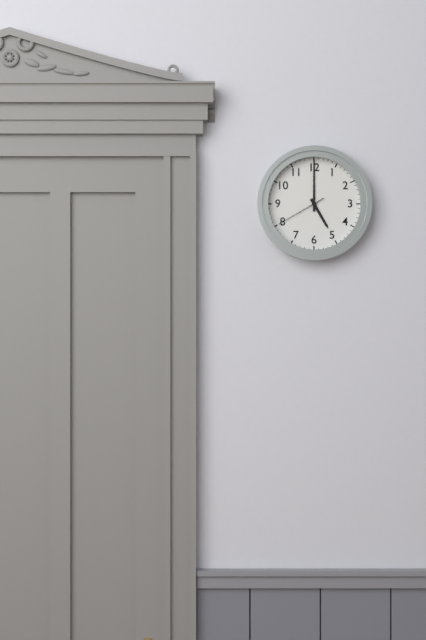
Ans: 5:00:40
